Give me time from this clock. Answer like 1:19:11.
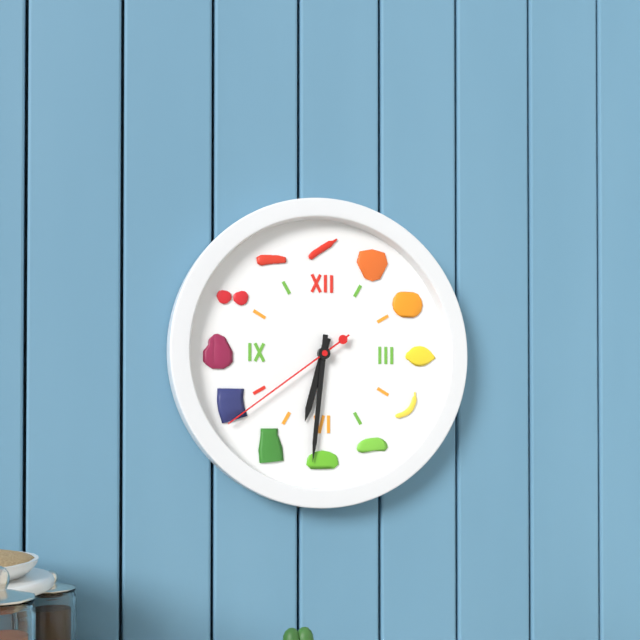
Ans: 6:31:39
